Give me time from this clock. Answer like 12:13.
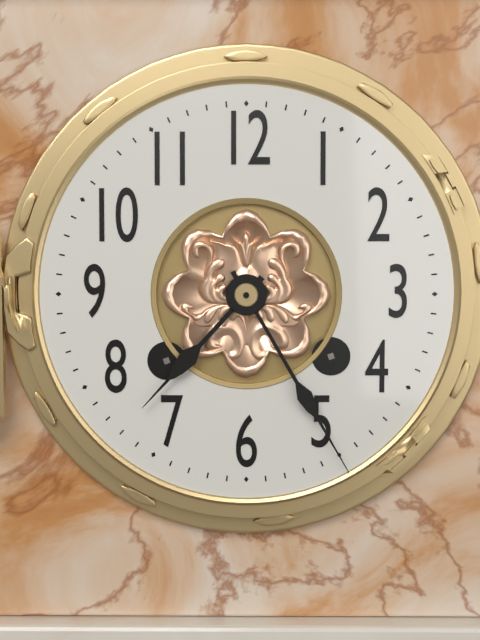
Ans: 7:25
